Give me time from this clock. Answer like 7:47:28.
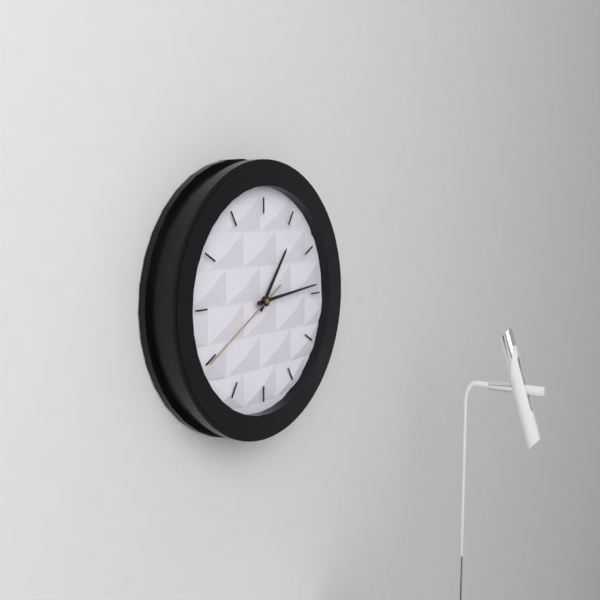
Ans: 1:14:40
